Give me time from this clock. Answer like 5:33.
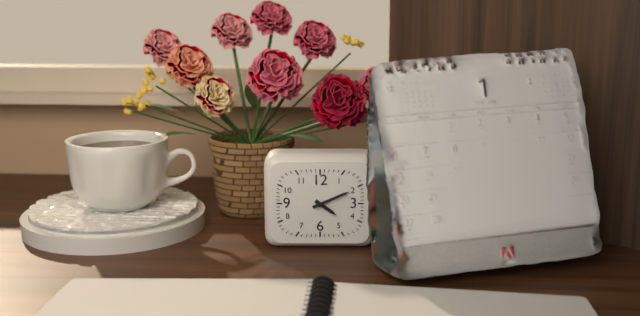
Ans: 4:11
